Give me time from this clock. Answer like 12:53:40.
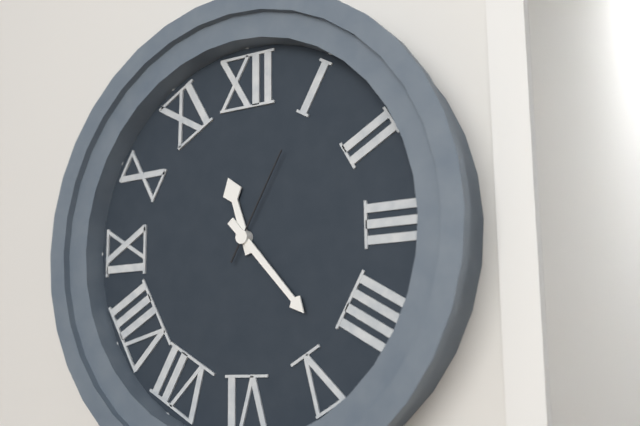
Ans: 11:23:05
